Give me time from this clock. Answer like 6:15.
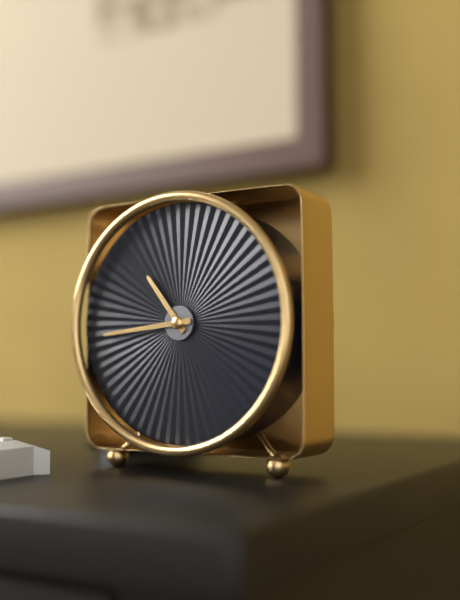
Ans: 10:44
